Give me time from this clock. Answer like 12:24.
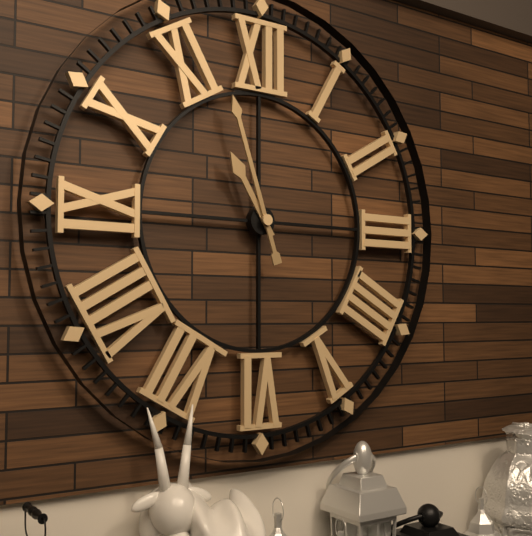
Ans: 10:57
